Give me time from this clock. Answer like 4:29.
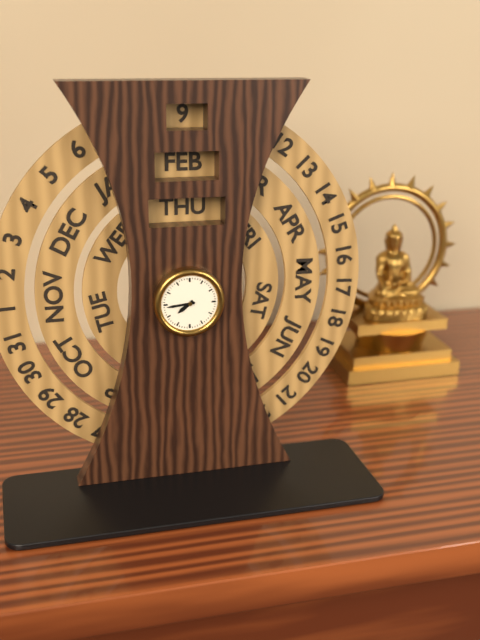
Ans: 7:44
